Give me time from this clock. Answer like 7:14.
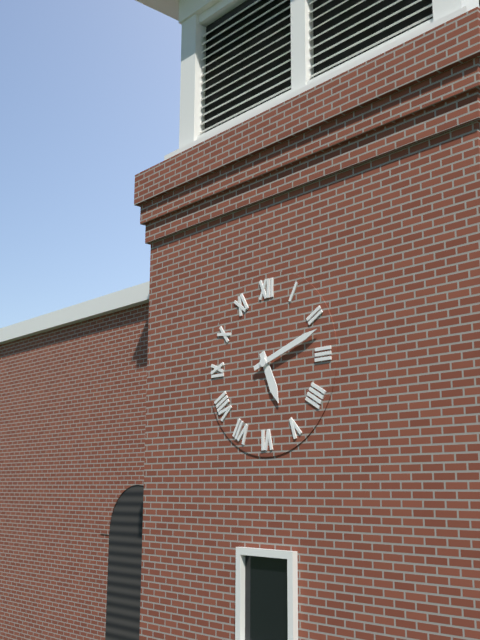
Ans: 5:12
